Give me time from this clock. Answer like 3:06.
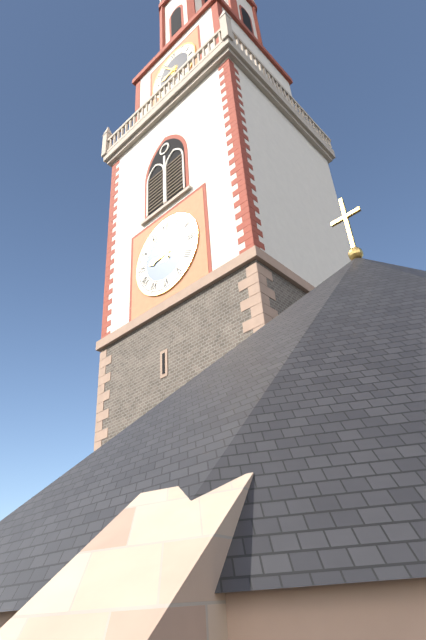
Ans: 8:54
